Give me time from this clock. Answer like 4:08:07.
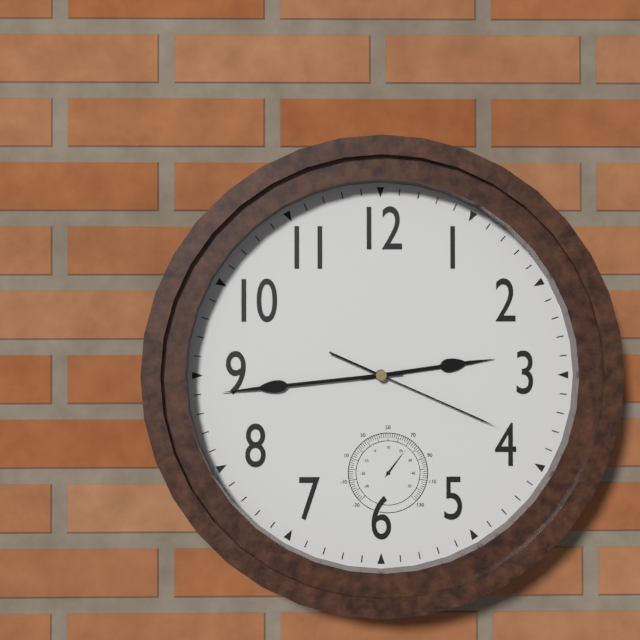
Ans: 2:44:19
